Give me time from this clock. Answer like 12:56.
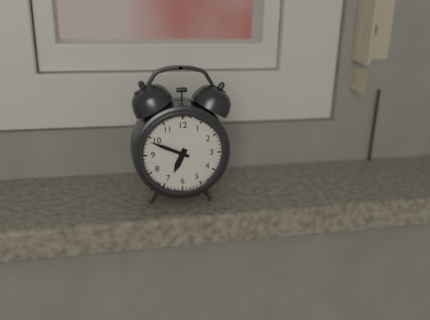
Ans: 6:49
